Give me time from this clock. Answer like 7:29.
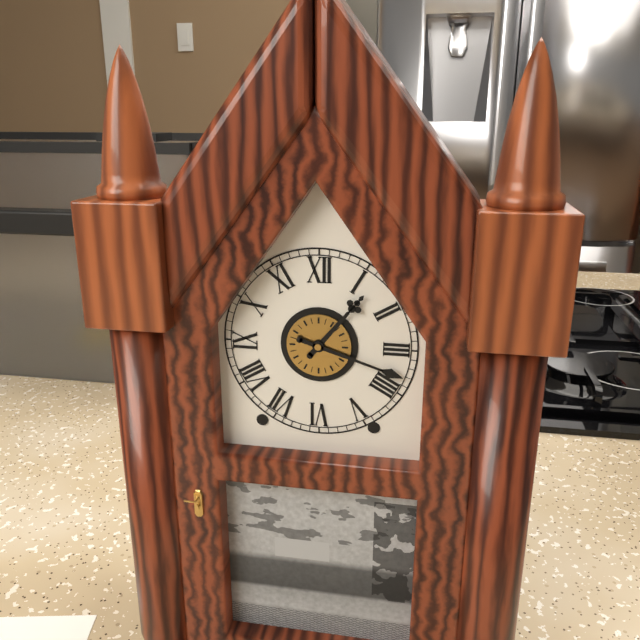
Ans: 1:18
